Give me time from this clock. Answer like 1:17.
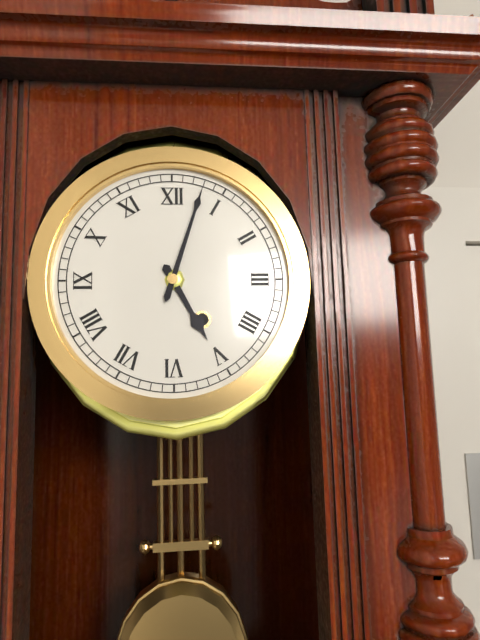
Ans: 5:03
